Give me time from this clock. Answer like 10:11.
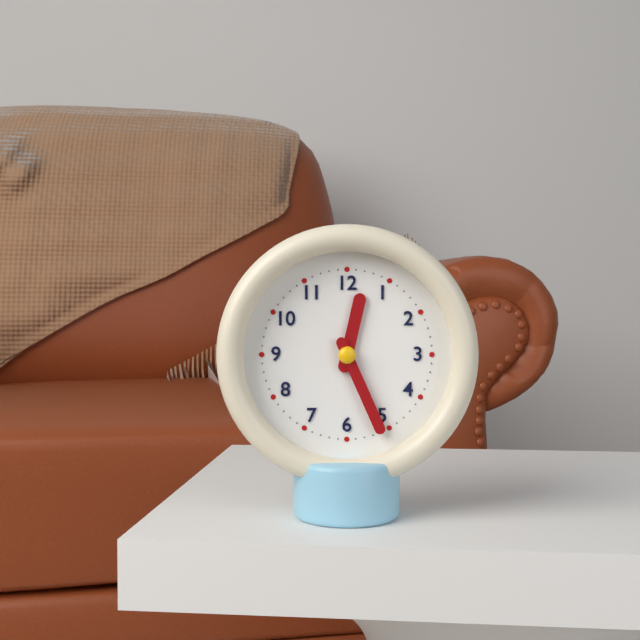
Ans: 12:26
